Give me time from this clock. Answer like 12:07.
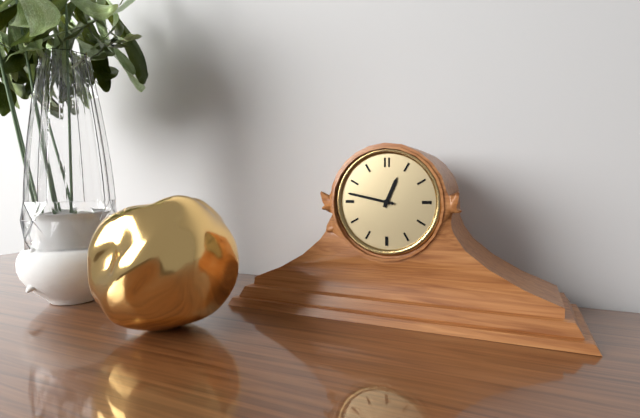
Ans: 12:47
